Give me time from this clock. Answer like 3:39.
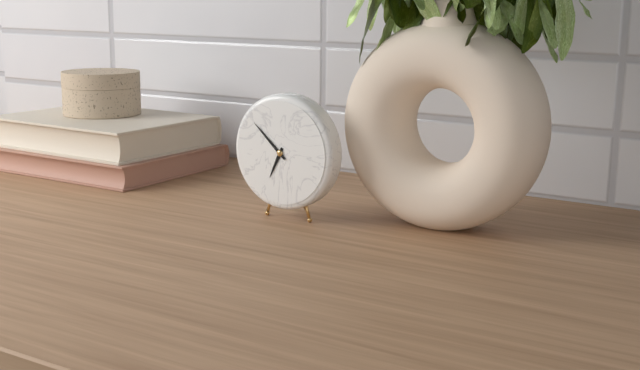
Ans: 6:52
